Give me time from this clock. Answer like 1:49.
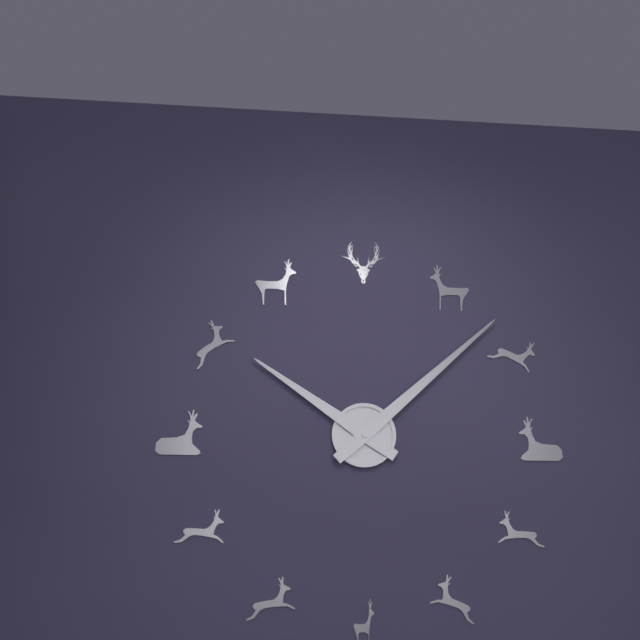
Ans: 10:08
